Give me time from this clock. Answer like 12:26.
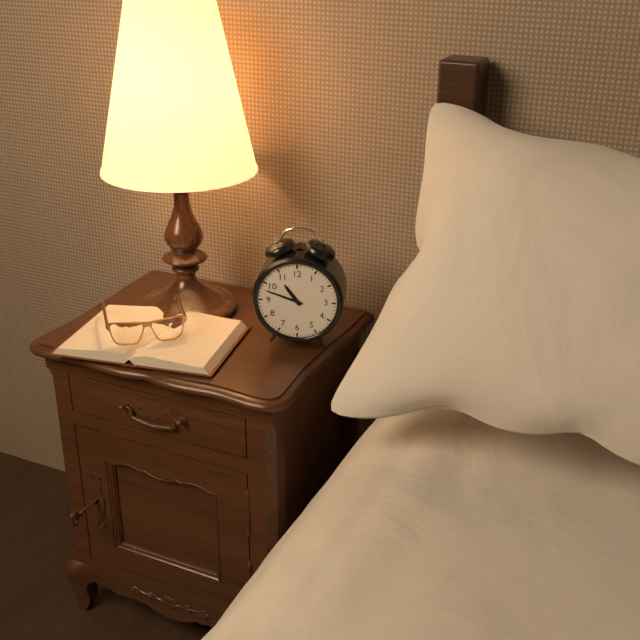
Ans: 10:48
